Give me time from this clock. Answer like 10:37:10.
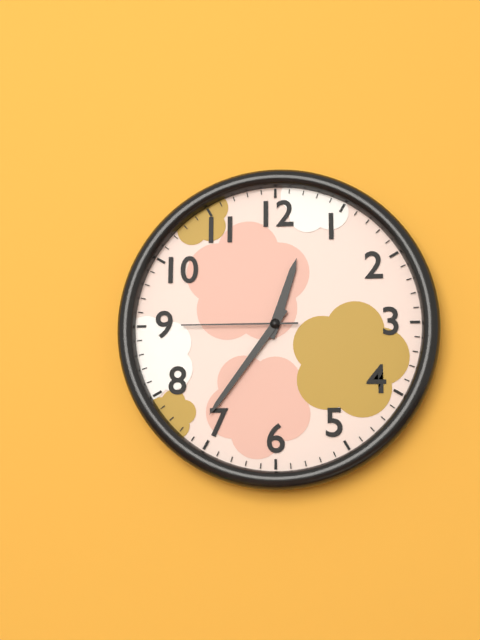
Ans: 12:36:45
